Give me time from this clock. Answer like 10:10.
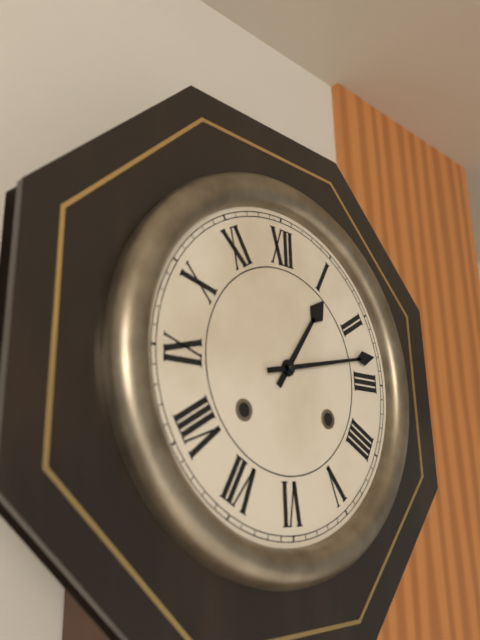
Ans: 1:13
